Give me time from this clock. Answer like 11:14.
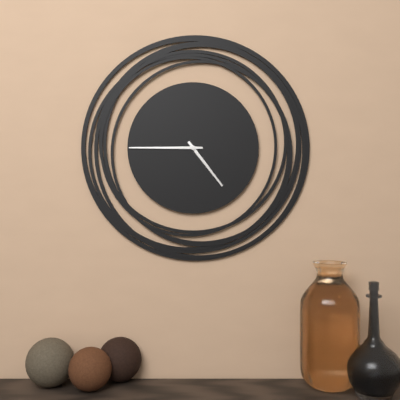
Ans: 4:45
